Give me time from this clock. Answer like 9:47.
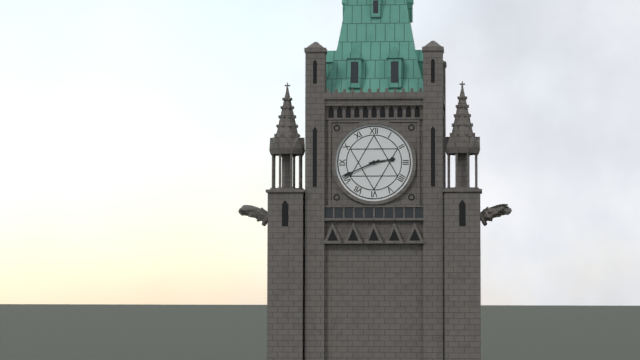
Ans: 2:41
